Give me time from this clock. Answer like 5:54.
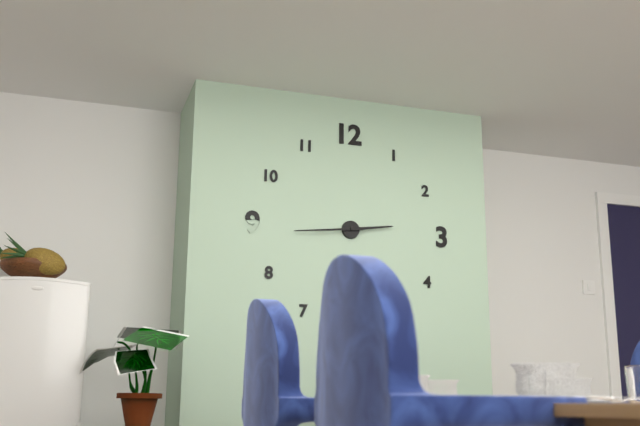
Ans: 2:44
